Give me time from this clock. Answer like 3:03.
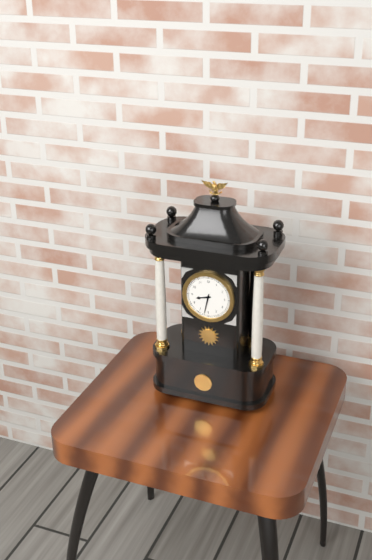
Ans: 8:32
